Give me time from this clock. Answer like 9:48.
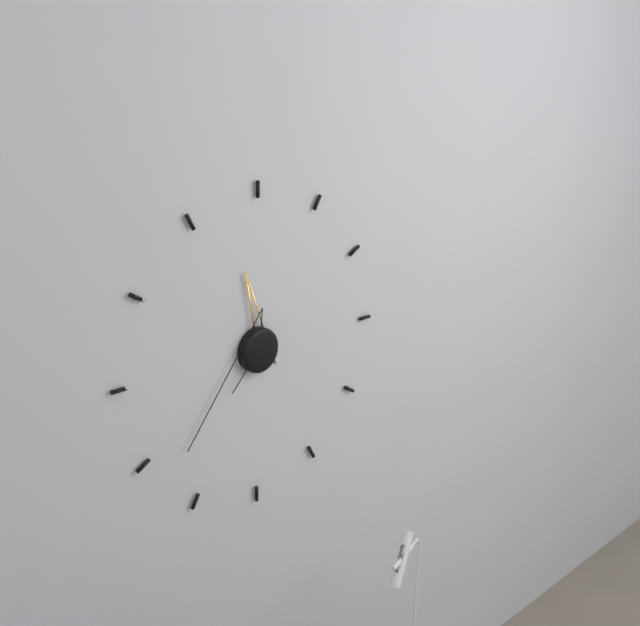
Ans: 11:38
